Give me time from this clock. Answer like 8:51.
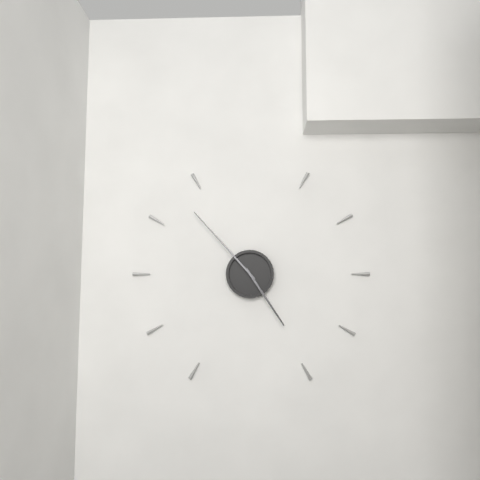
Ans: 4:53
